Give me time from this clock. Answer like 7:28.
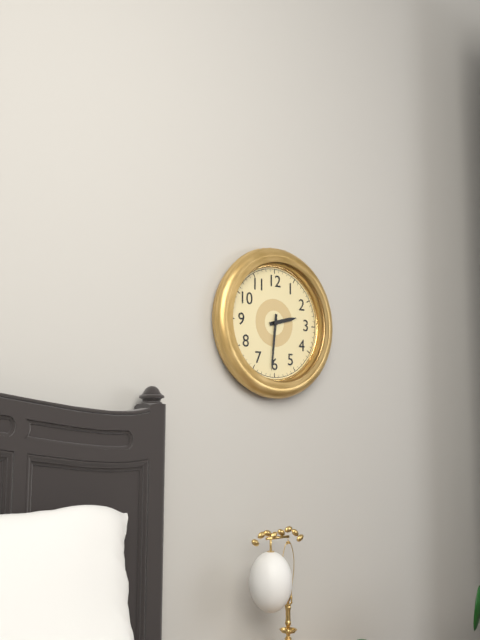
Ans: 2:31
